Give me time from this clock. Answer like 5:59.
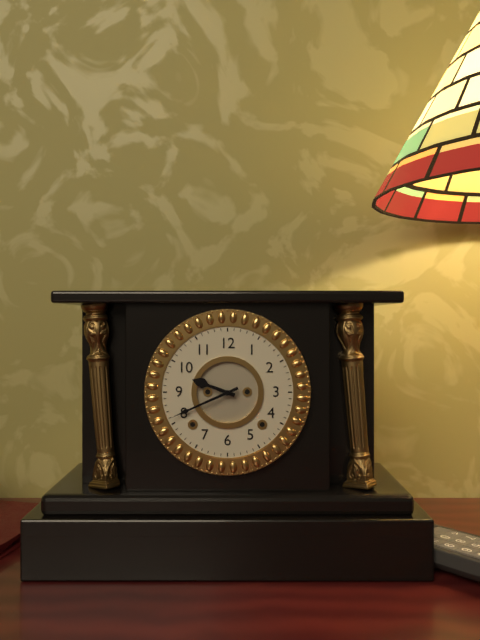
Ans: 9:41
